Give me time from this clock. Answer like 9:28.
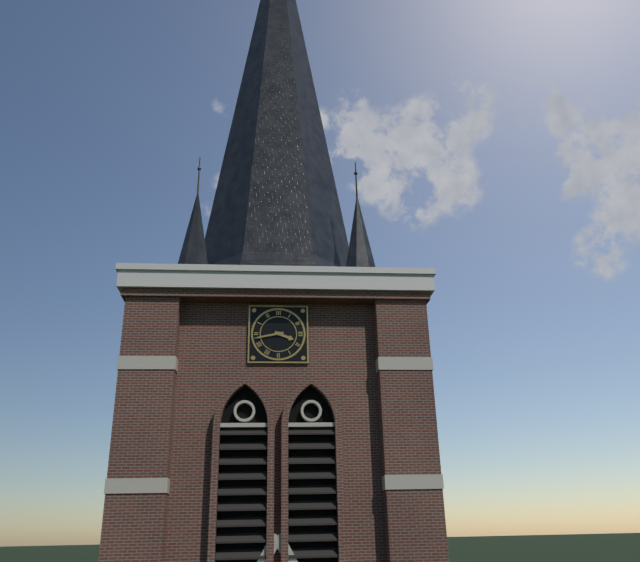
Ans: 3:43
